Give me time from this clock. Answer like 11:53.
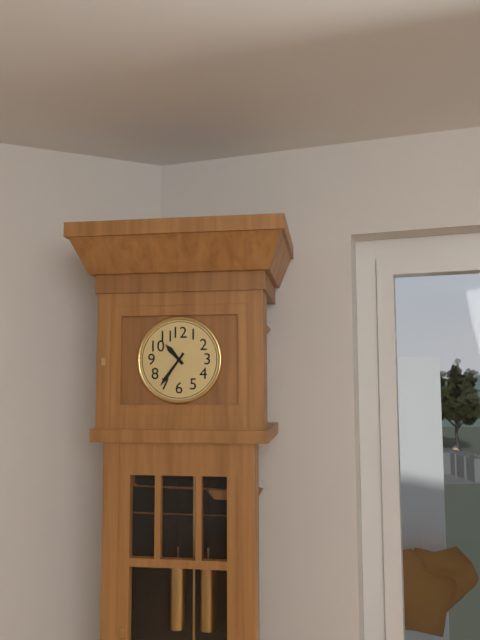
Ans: 10:36
